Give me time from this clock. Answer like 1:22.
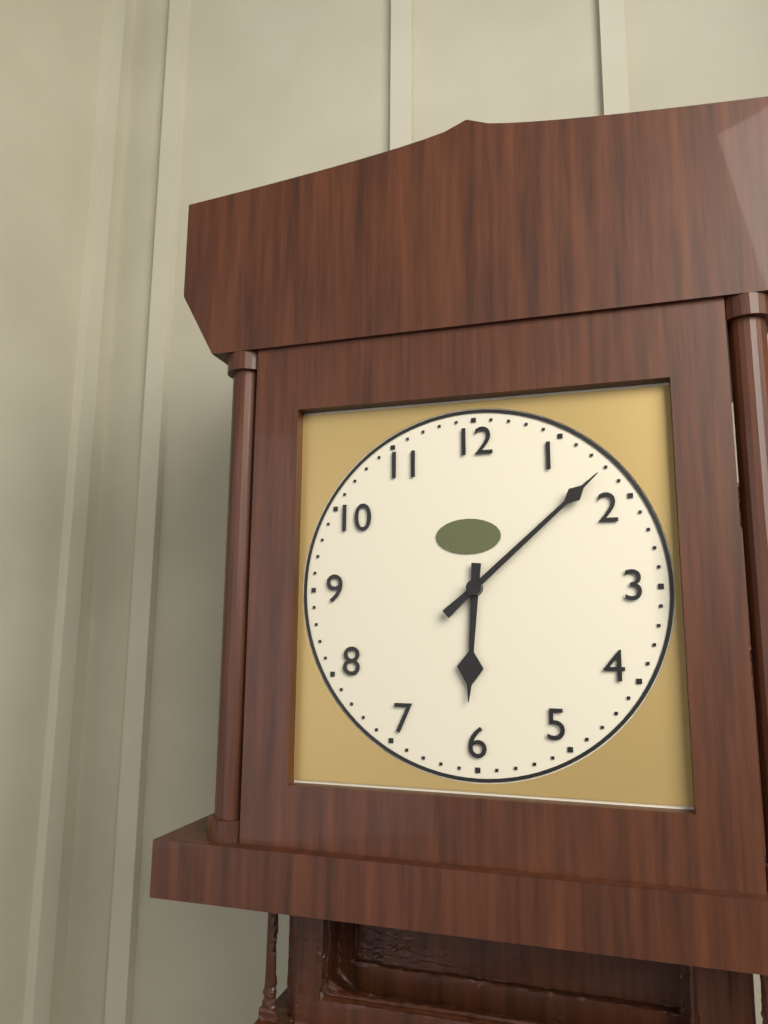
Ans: 6:08
